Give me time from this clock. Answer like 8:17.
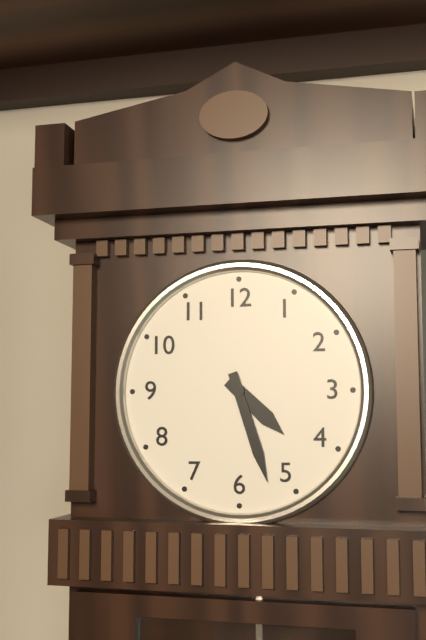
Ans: 4:27
